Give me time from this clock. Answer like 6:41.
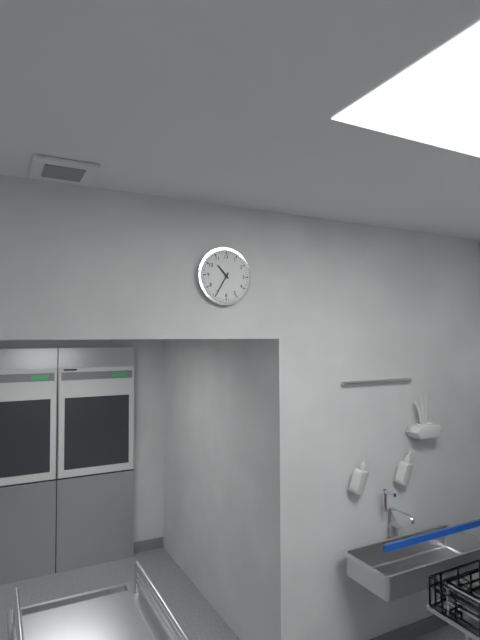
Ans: 10:35
